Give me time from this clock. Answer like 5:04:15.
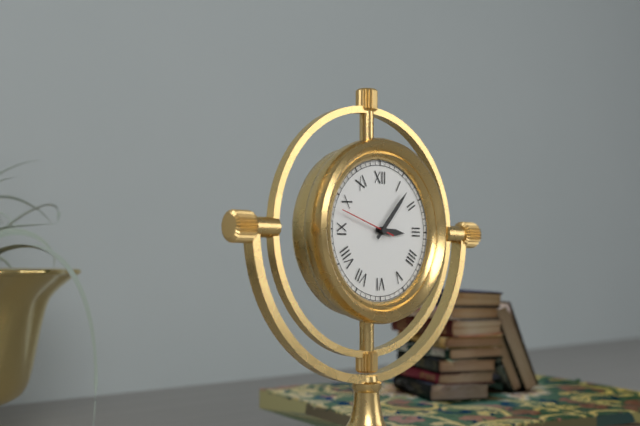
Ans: 3:07:48
